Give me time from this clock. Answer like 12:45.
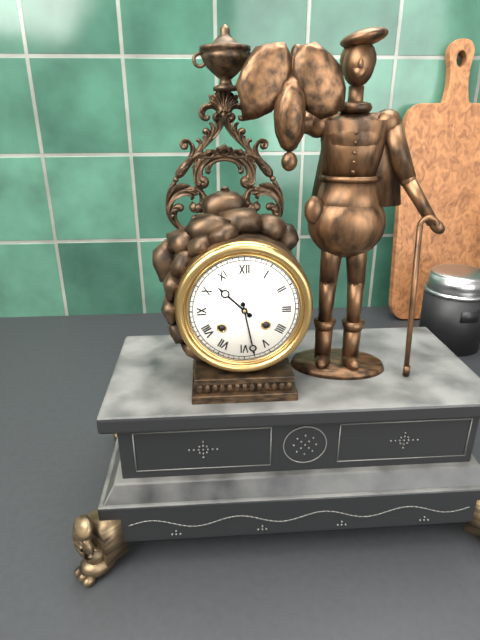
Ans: 10:28
